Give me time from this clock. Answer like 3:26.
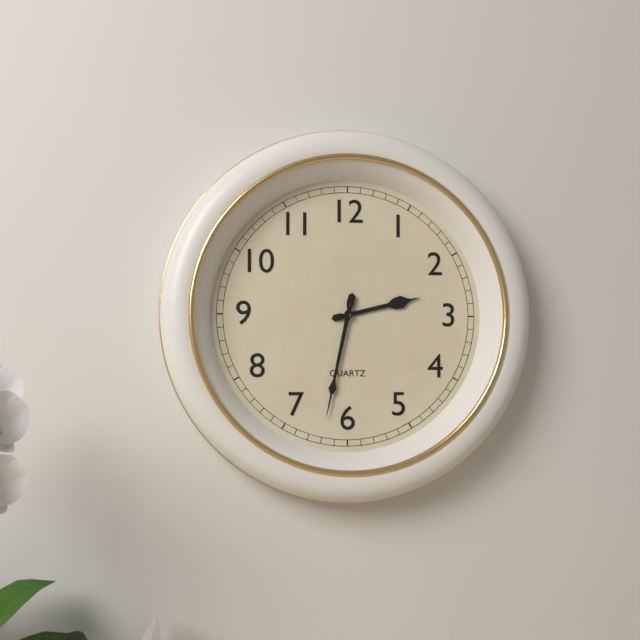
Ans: 2:32
